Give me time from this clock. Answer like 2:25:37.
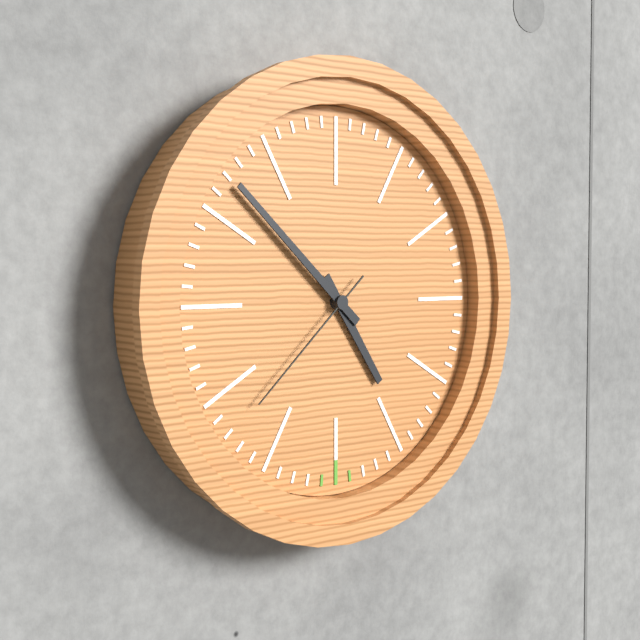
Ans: 4:52:38
